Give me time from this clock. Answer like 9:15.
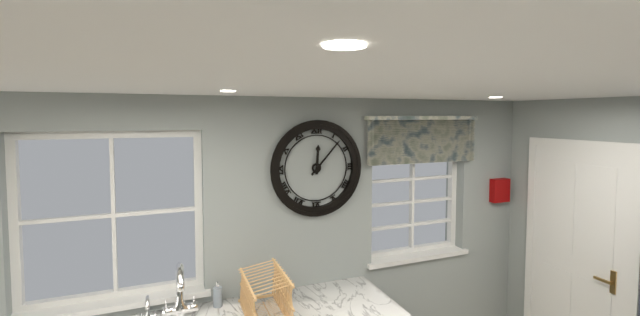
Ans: 12:07
